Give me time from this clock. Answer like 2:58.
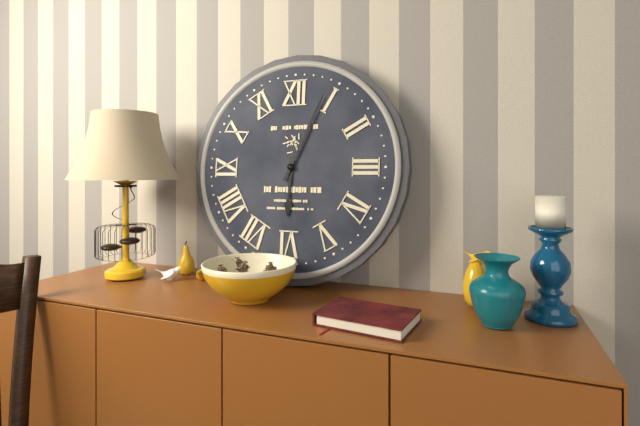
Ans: 6:04
